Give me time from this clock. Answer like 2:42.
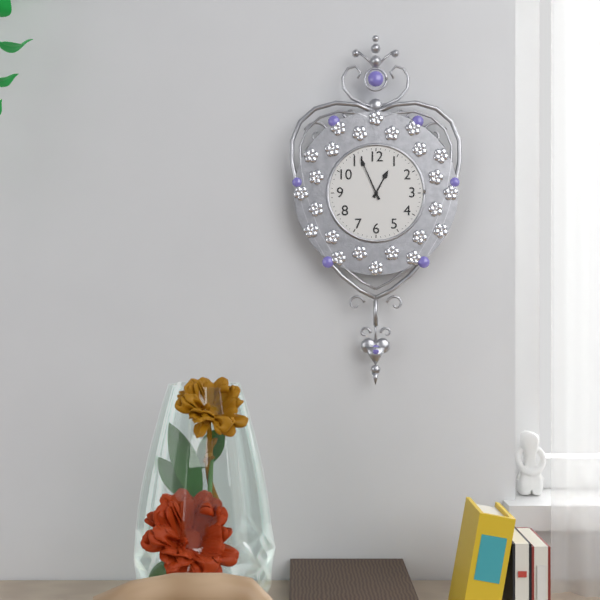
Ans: 12:56
